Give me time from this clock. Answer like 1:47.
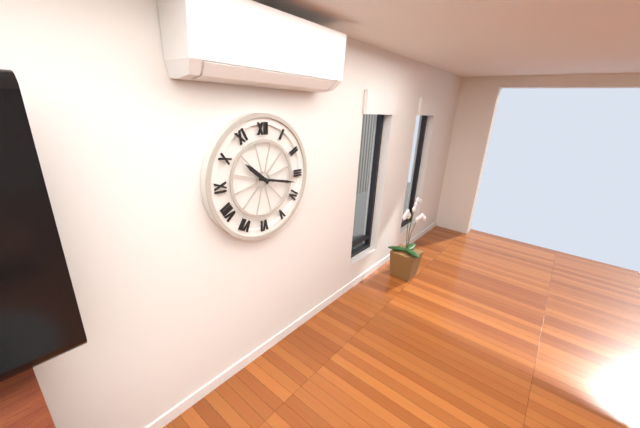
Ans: 10:17
